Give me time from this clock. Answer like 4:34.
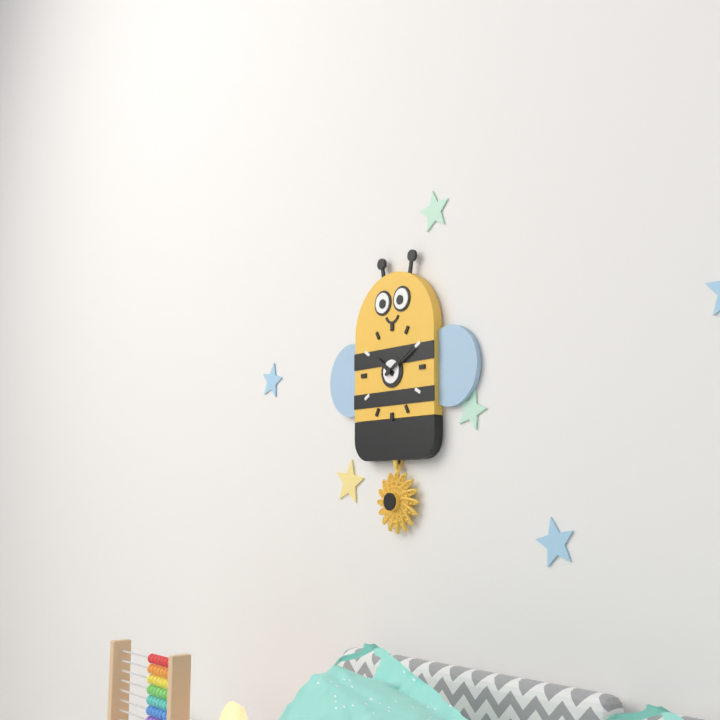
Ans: 10:10
